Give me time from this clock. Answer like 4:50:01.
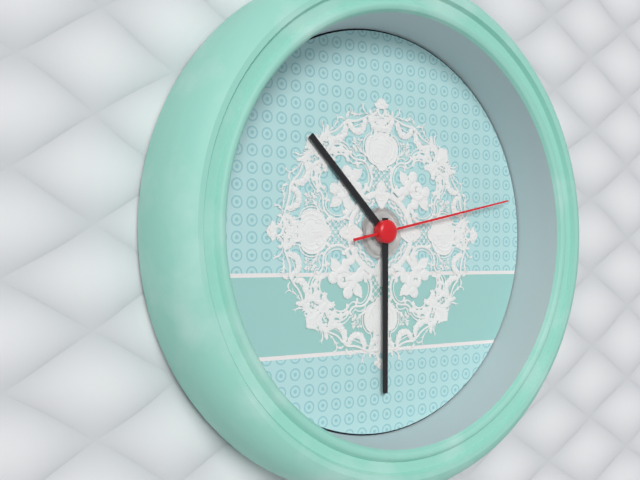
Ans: 10:30:13
